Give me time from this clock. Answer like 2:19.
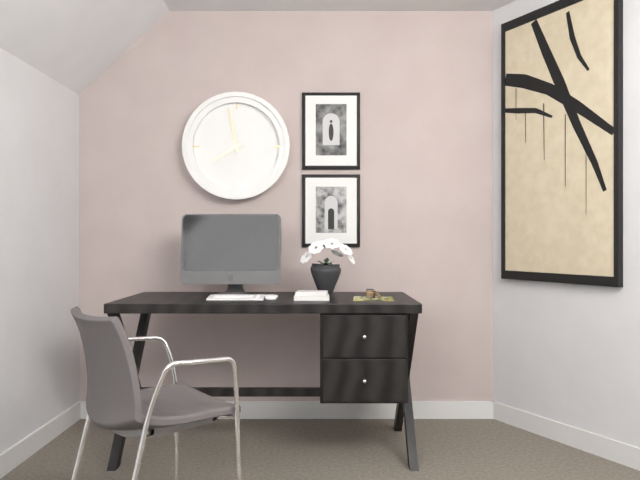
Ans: 7:58
